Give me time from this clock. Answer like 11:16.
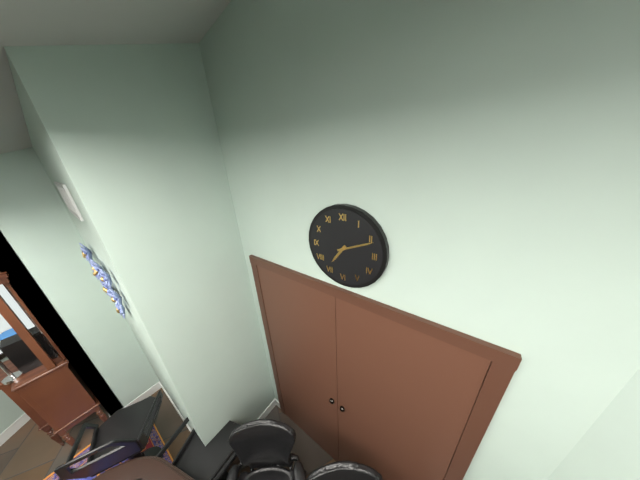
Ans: 7:11
